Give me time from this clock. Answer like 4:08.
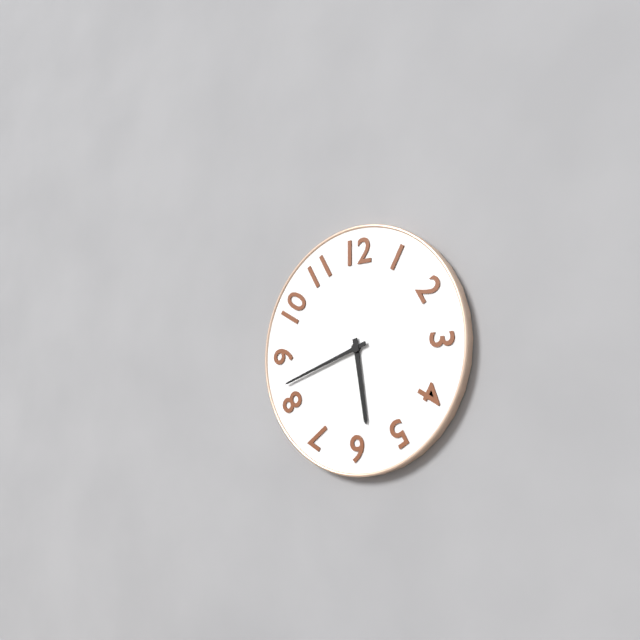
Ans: 5:42
